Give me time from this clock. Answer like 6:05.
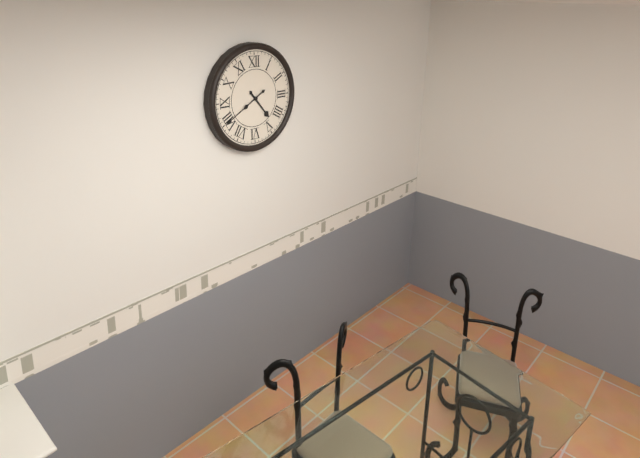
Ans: 4:40
